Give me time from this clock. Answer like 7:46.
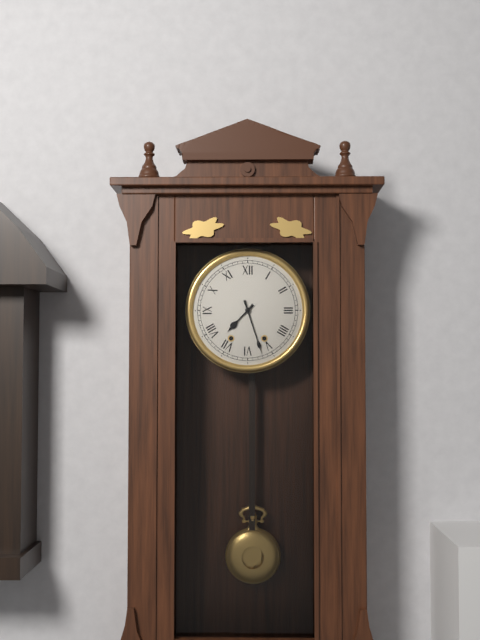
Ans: 7:27
